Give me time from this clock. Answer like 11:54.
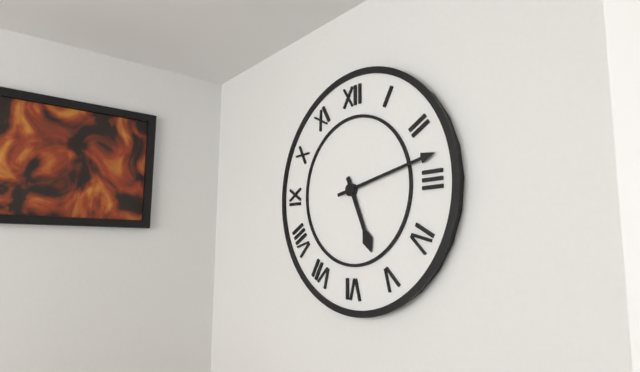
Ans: 5:13
